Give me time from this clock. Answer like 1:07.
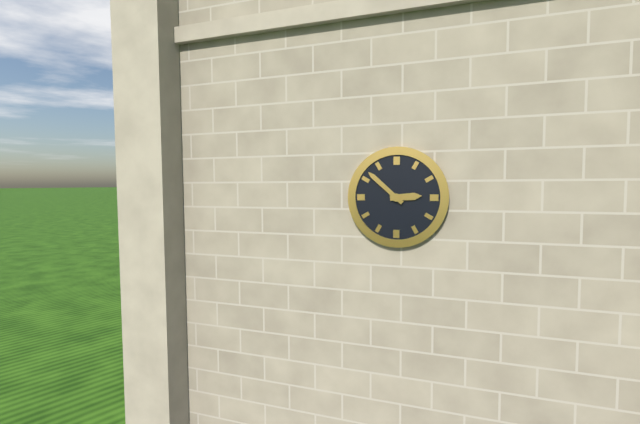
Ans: 2:52
